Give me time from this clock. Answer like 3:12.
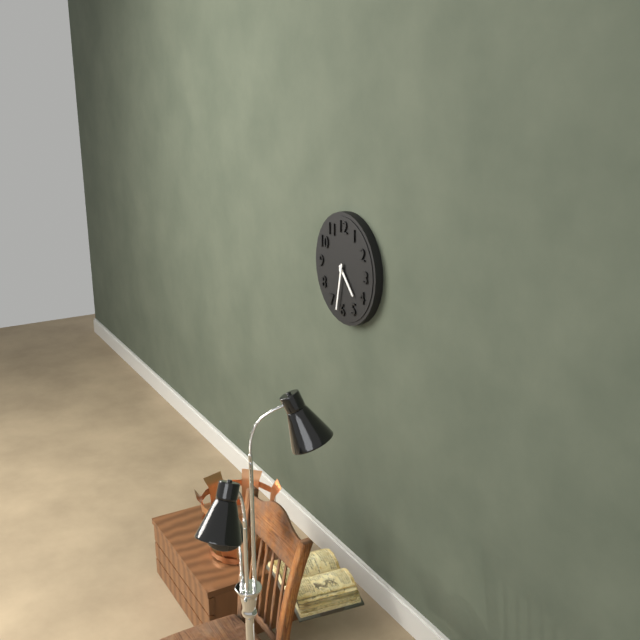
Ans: 4:32
